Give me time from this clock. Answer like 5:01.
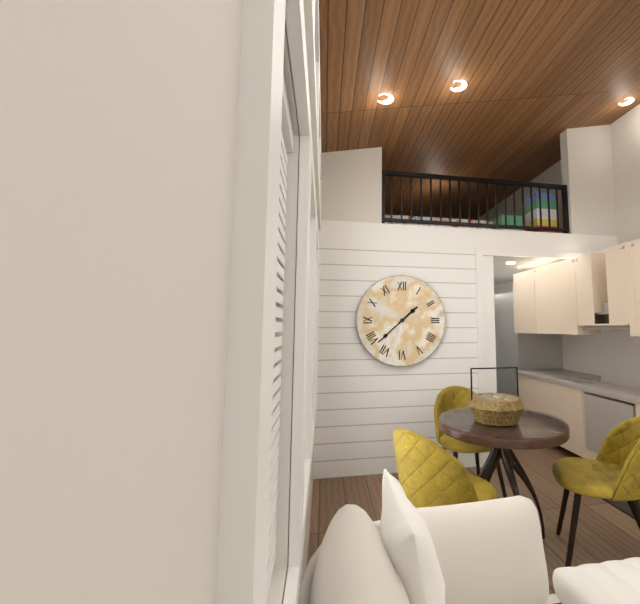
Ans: 1:38
